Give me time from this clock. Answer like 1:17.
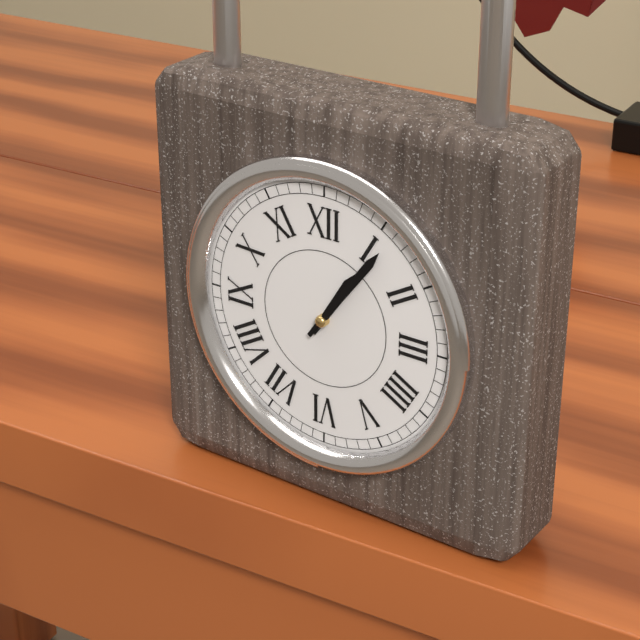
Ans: 1:06
